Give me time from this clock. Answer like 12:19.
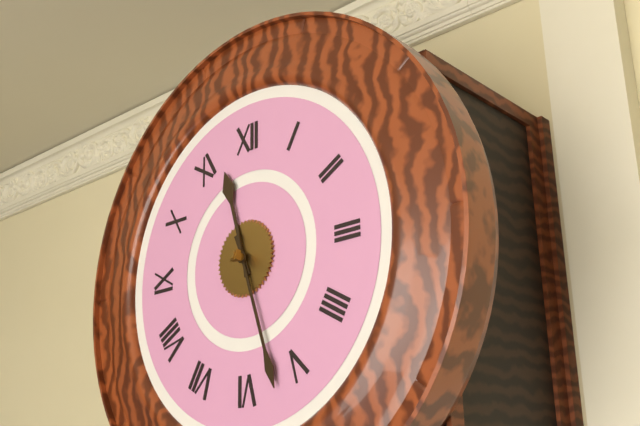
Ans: 11:27
